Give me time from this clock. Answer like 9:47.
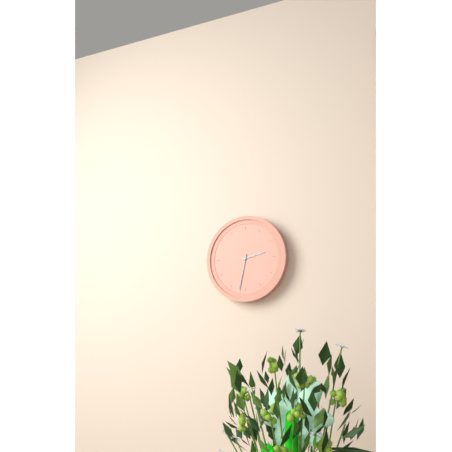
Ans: 2:32
